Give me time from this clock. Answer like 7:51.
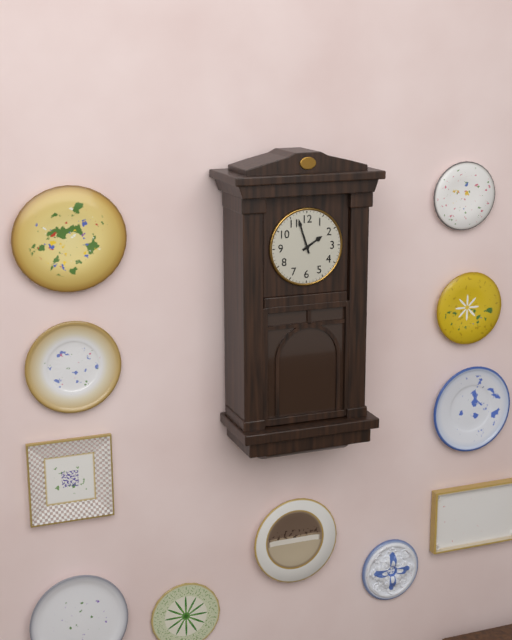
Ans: 1:57
